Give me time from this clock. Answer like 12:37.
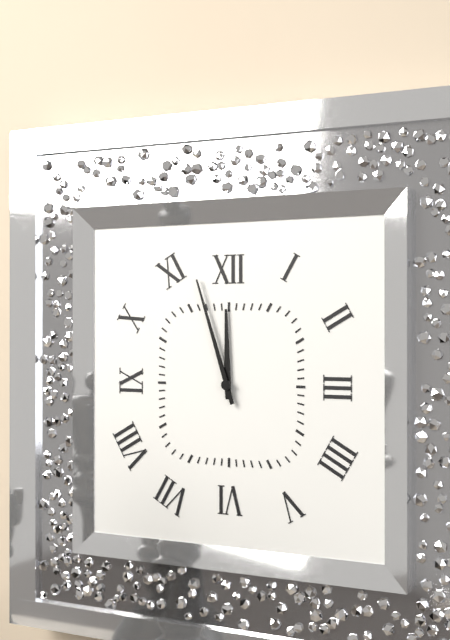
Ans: 11:57
